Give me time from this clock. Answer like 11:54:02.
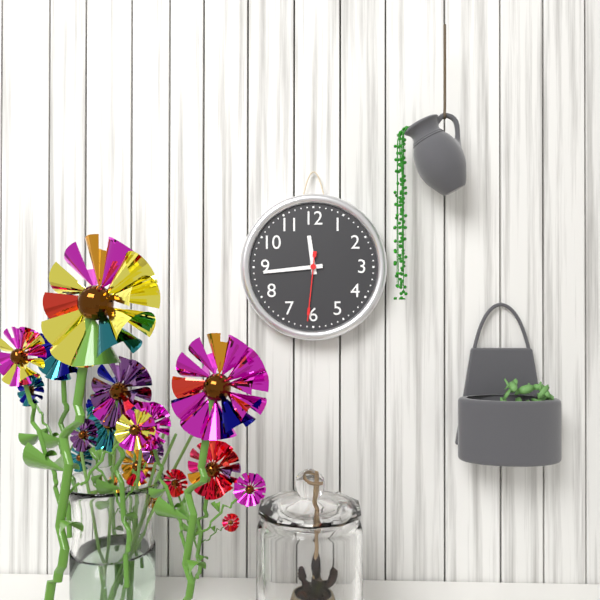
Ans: 11:44:31
